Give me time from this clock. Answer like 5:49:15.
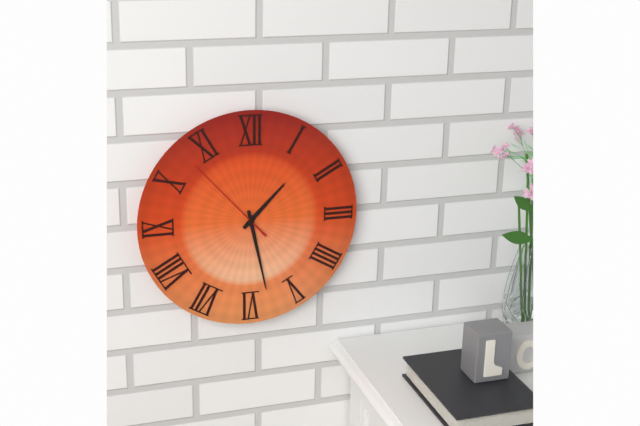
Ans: 1:28:53
